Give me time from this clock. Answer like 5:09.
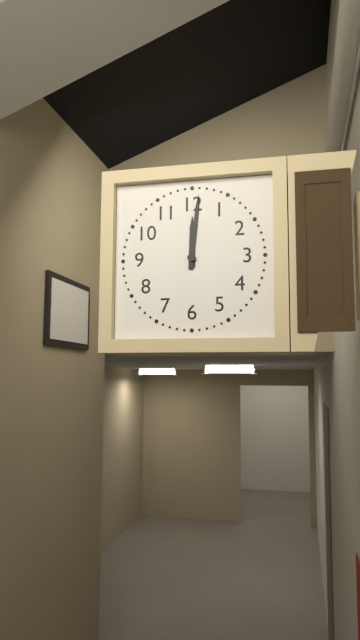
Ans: 12:01
